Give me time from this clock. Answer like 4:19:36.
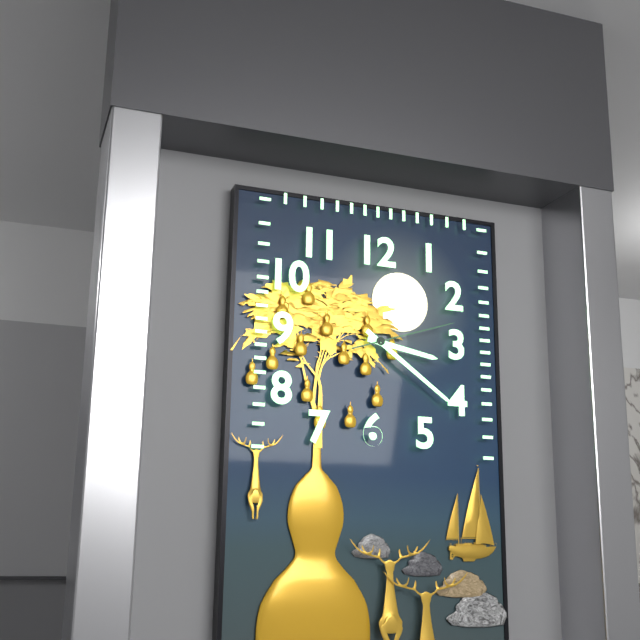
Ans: 3:21:12
